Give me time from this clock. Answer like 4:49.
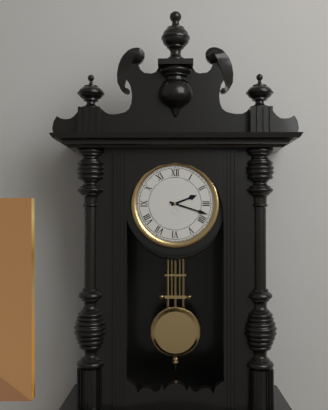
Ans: 2:18
